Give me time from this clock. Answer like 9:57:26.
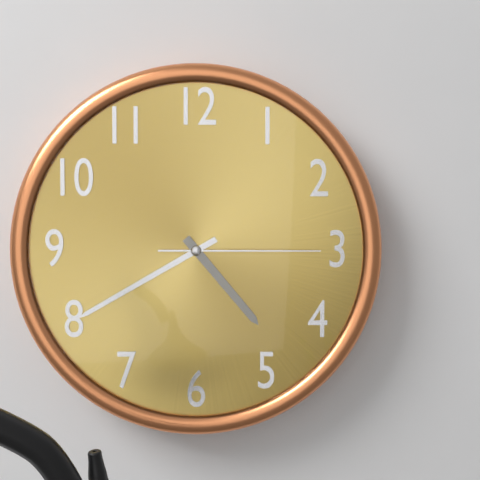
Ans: 4:40:15
